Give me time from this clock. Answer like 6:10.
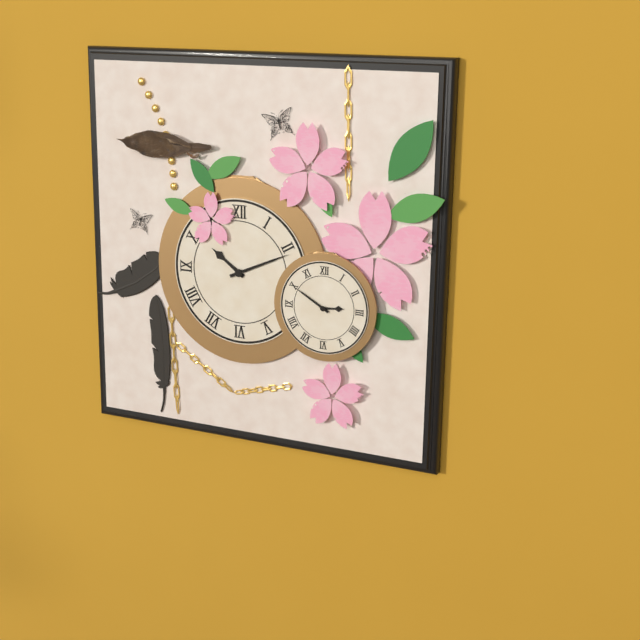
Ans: 10:11
